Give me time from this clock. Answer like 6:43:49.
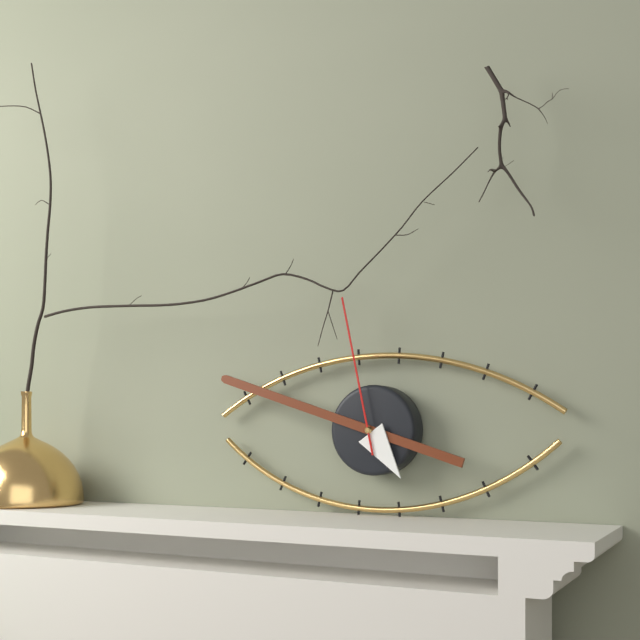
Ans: 4:48:58
